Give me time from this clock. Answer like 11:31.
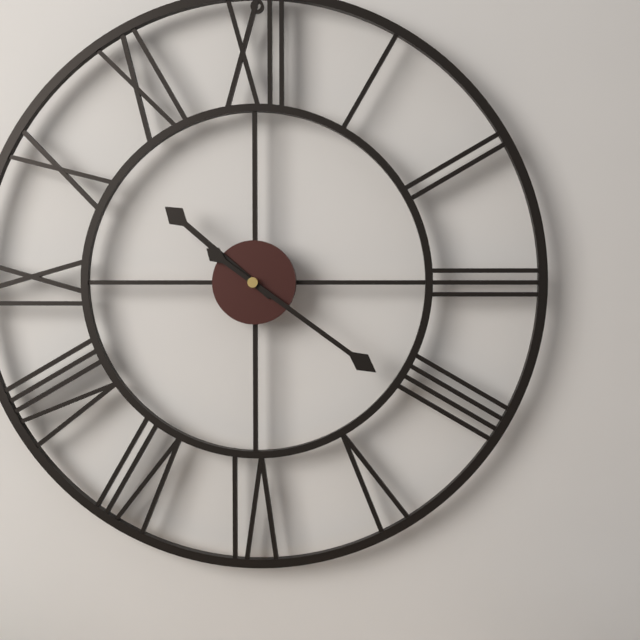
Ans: 10:21
